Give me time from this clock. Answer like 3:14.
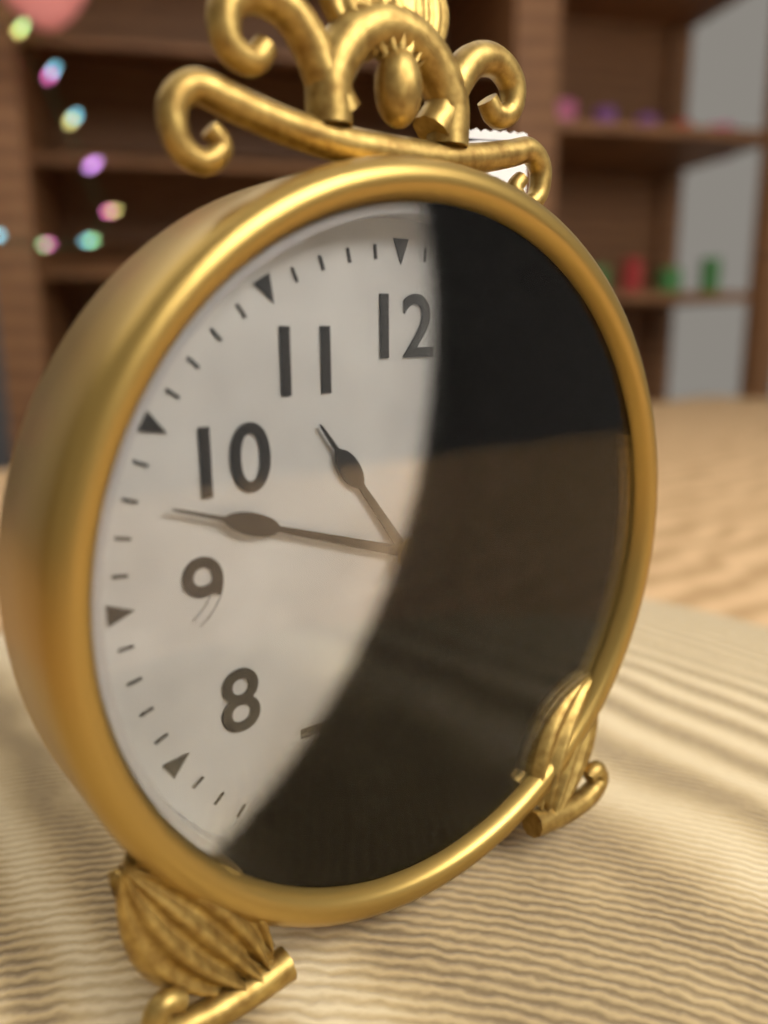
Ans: 10:48
